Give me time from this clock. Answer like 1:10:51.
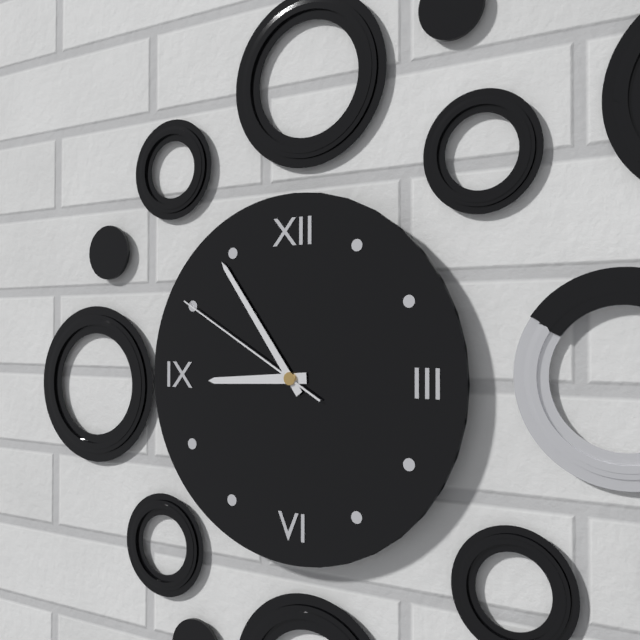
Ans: 8:54:50
